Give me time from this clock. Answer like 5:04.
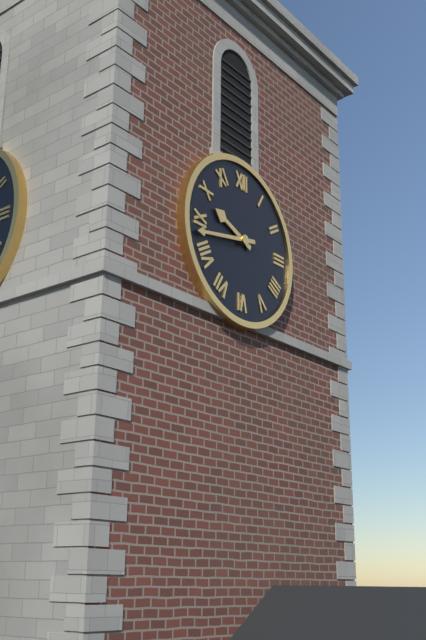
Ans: 9:43
